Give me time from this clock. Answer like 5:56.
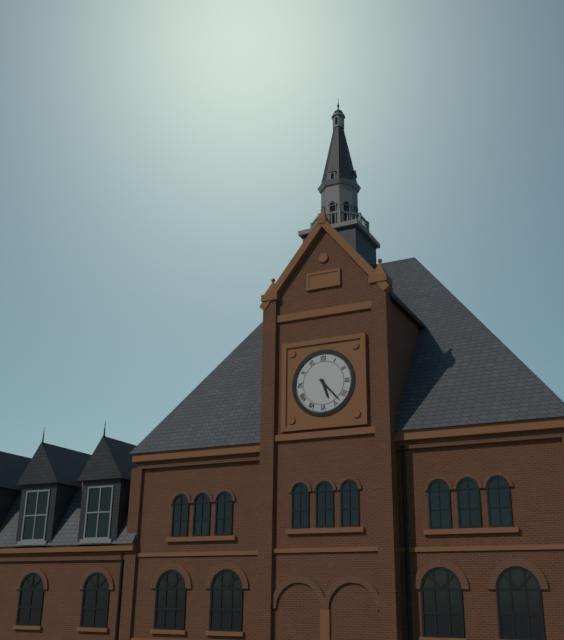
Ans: 5:23
